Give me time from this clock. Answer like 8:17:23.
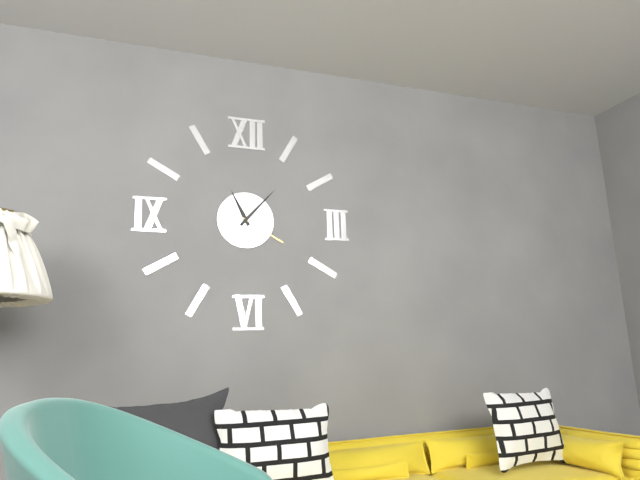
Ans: 11:07:20
